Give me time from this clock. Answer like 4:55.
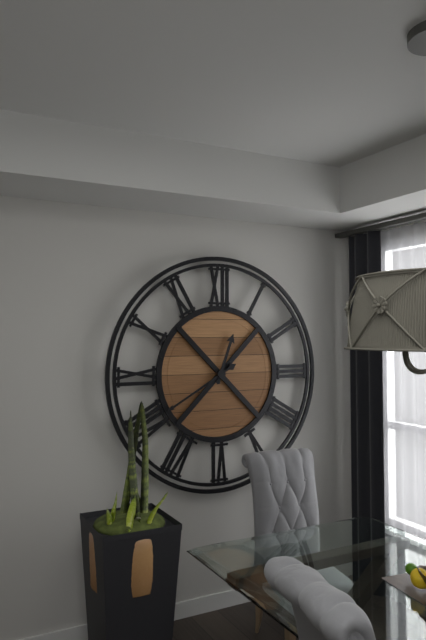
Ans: 12:40
